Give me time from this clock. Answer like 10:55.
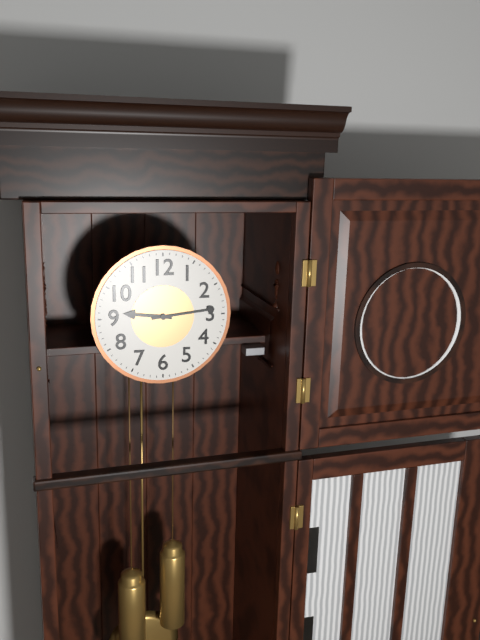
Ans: 9:14
